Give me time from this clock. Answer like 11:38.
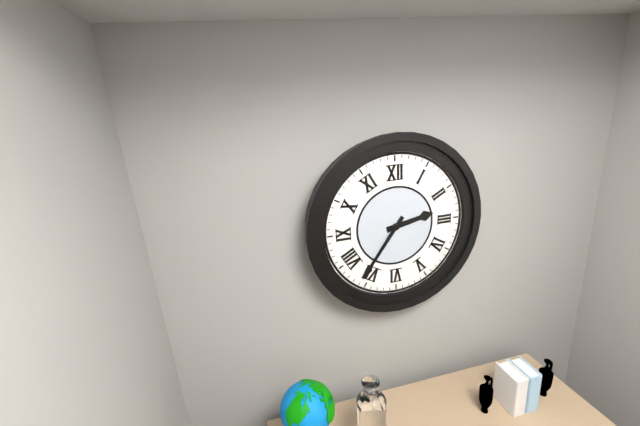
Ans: 2:36
